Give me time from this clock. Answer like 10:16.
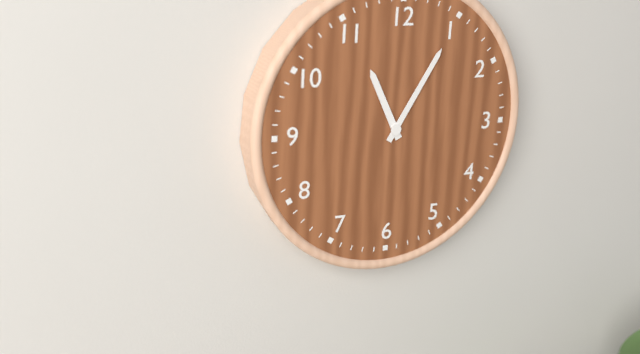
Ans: 11:05
